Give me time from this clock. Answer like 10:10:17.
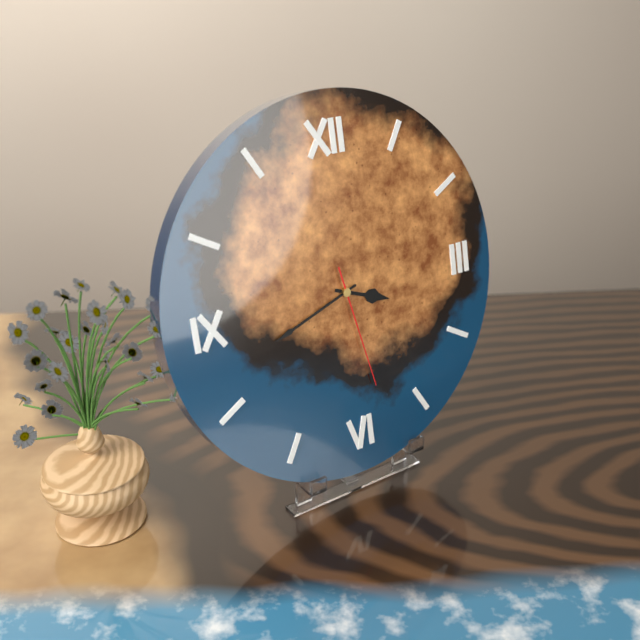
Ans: 3:42:28
